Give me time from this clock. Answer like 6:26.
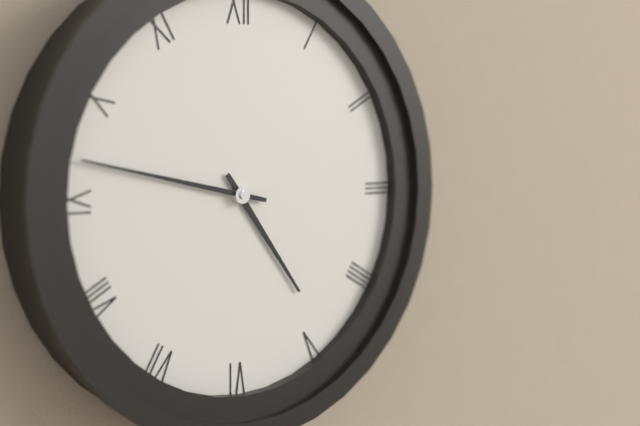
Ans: 4:47
